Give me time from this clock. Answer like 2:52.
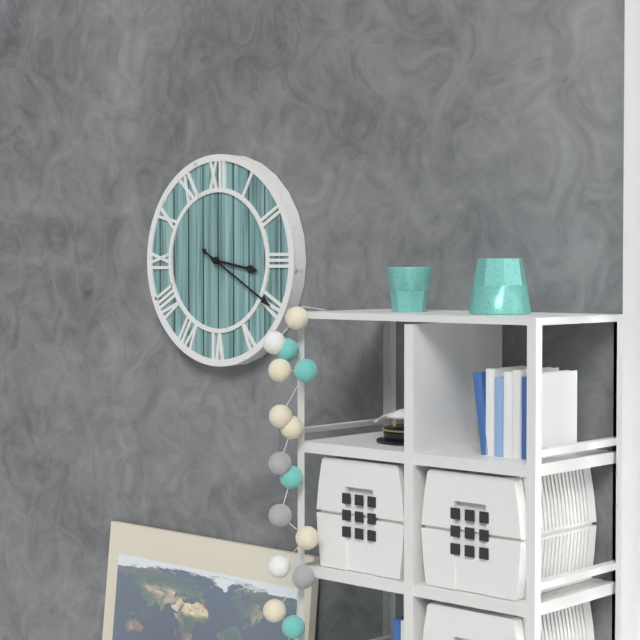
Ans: 3:20
